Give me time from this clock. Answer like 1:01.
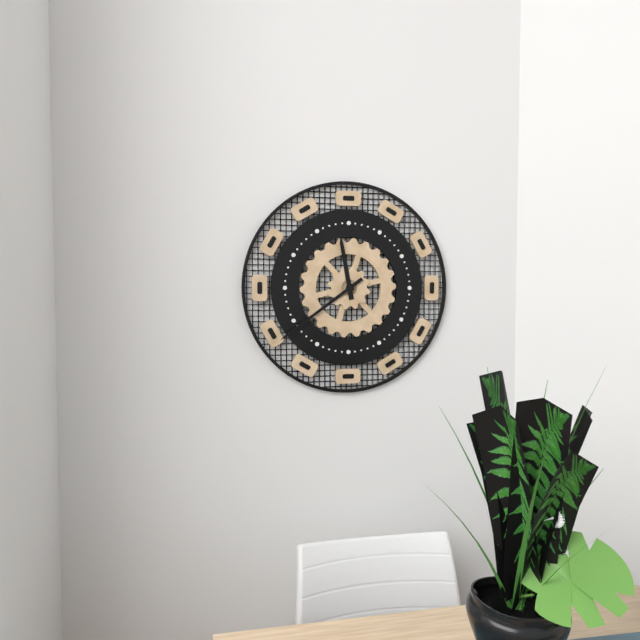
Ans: 11:39
